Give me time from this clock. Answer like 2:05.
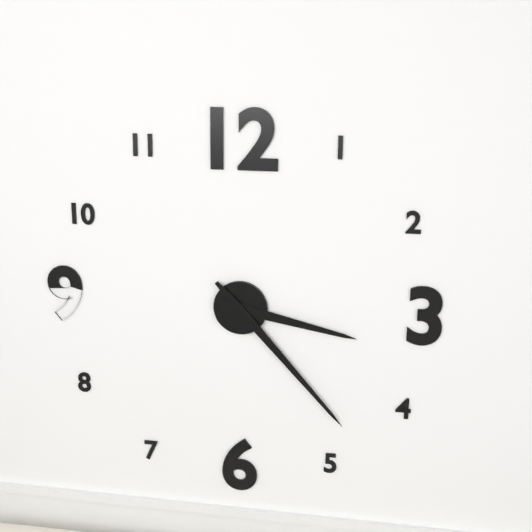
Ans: 3:23
